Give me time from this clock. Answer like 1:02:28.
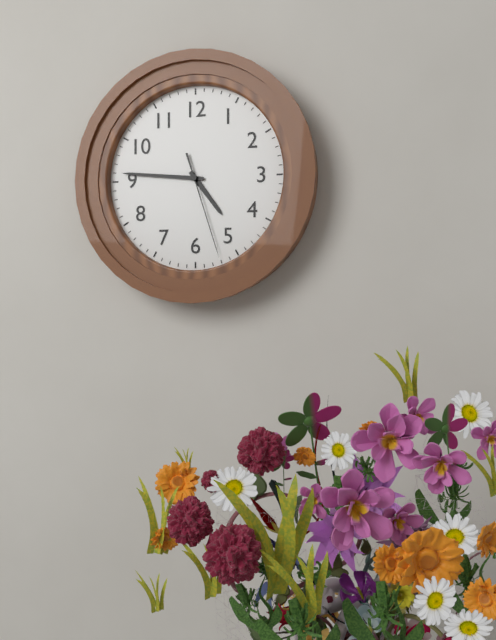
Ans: 4:46:27
